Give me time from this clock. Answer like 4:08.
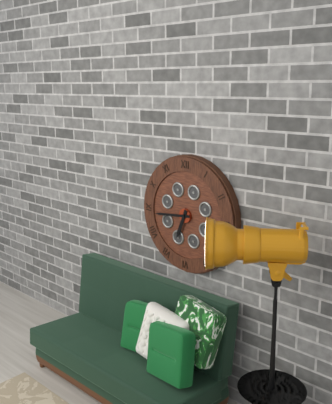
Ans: 6:44
